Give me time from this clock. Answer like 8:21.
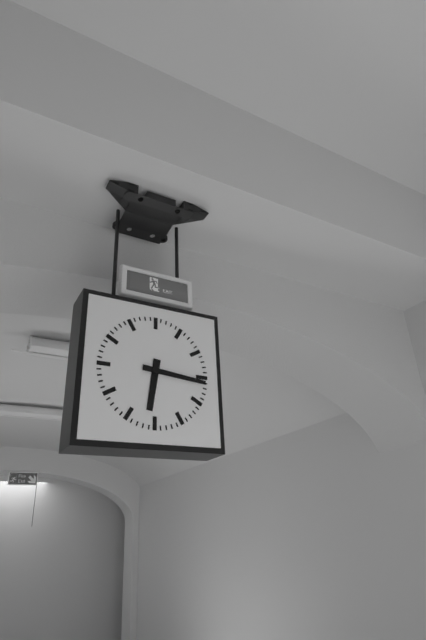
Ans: 6:16
